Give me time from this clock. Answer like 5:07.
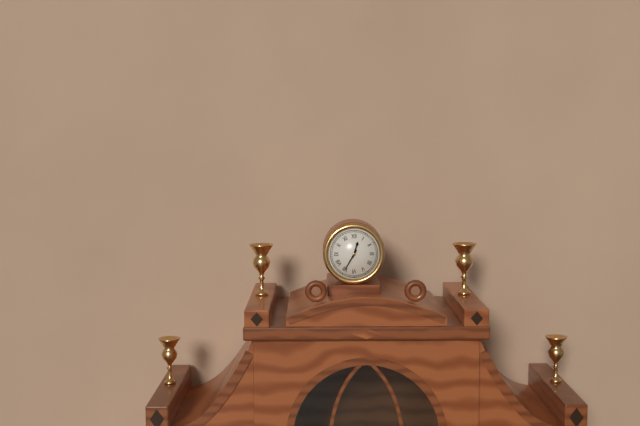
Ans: 12:35
